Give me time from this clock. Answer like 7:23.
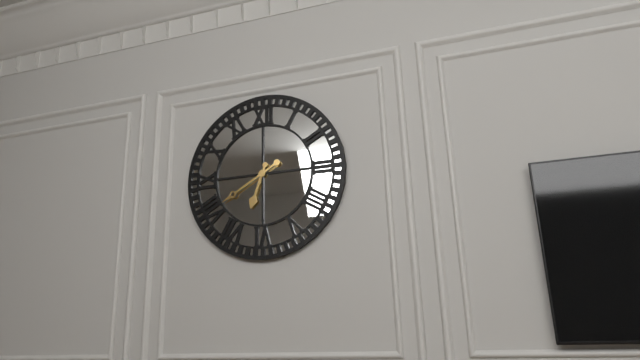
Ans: 6:40
